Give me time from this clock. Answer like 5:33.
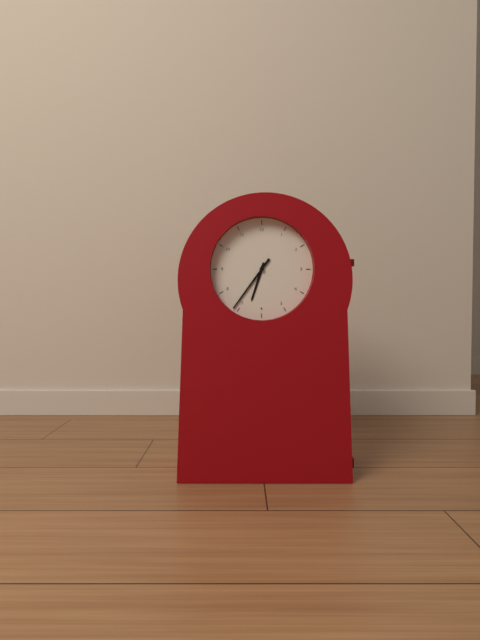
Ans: 6:36
